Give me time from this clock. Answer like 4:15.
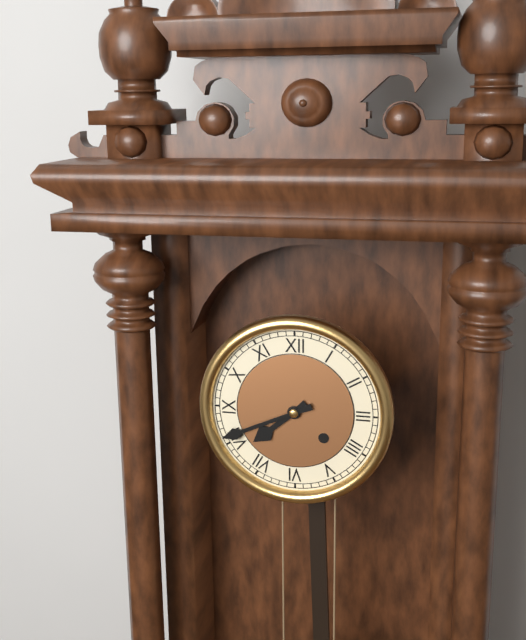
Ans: 7:41
